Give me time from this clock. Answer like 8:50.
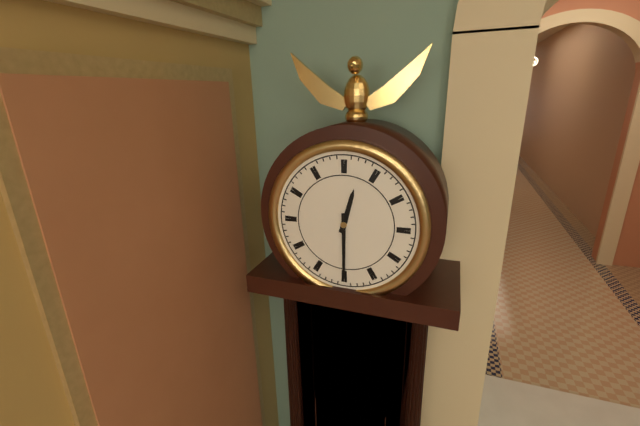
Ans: 12:30
